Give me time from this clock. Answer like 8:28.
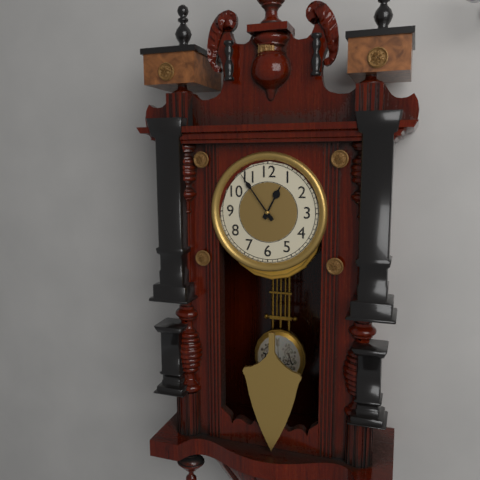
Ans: 12:54
